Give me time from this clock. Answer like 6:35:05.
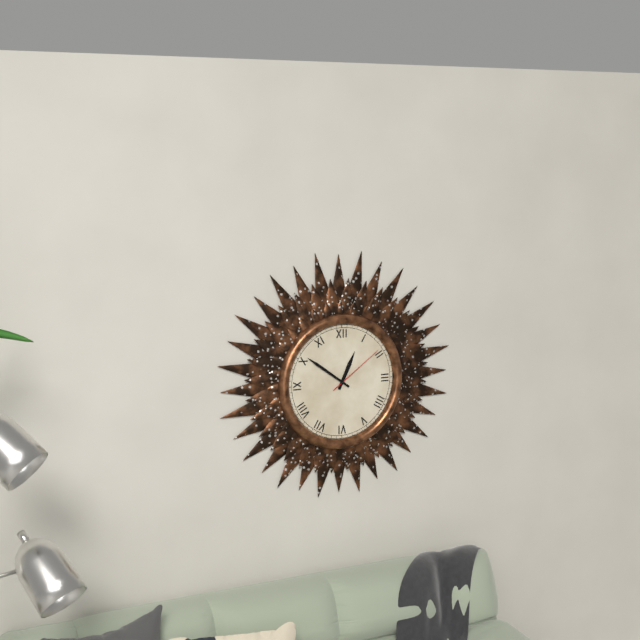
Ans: 12:51:09
